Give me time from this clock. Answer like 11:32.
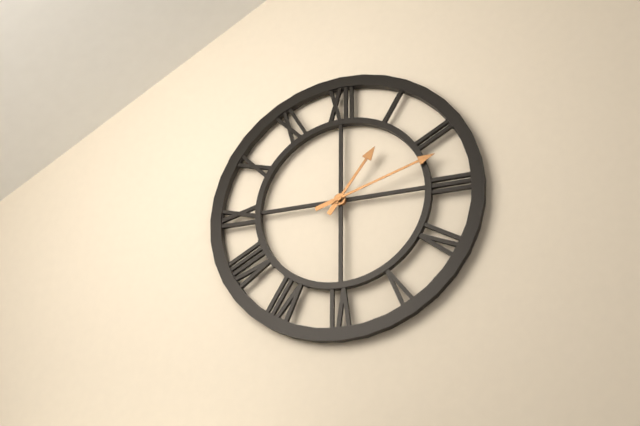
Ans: 1:12
